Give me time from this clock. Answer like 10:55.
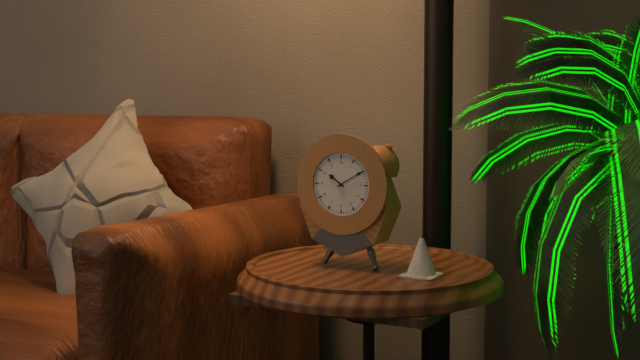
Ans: 10:10
